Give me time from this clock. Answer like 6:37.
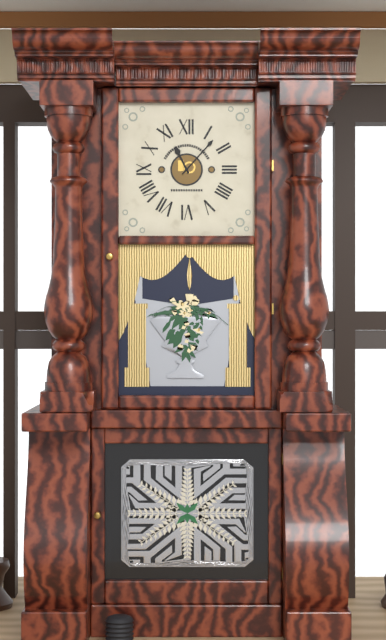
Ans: 11:07
